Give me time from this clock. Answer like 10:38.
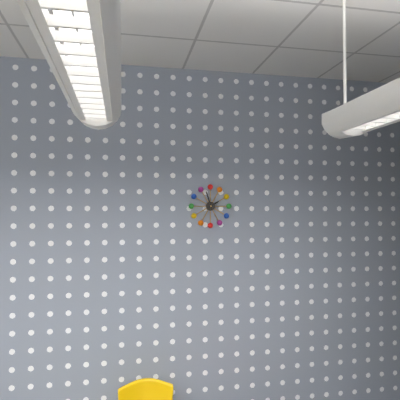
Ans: 1:57
